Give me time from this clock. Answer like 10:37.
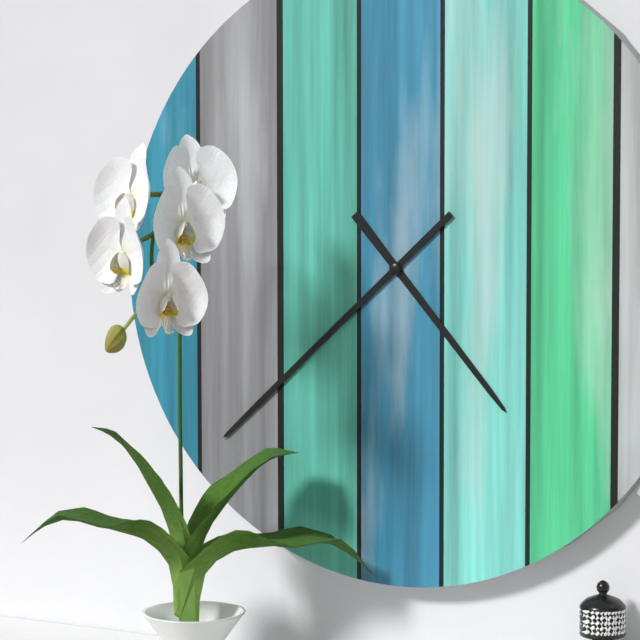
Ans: 4:38
